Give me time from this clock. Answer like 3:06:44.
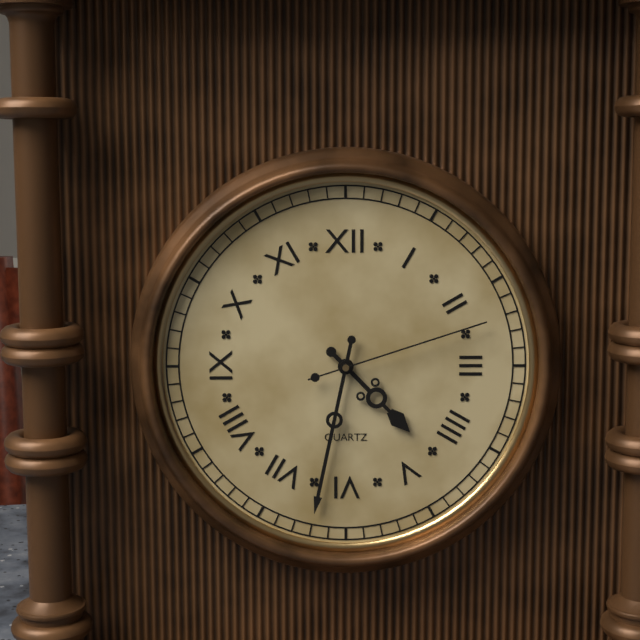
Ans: 4:32:12
